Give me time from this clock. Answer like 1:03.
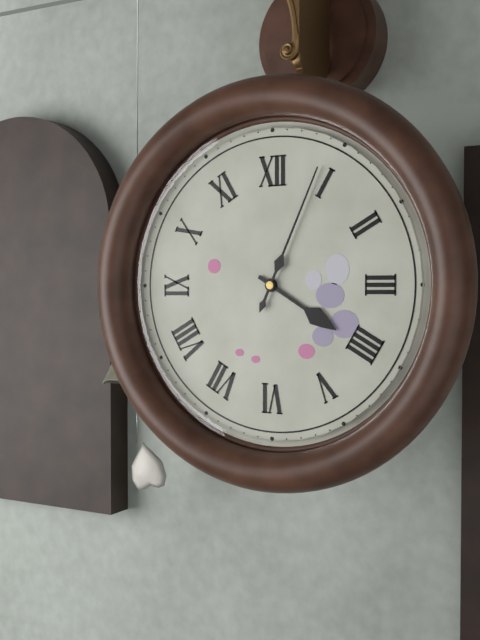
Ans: 4:04
